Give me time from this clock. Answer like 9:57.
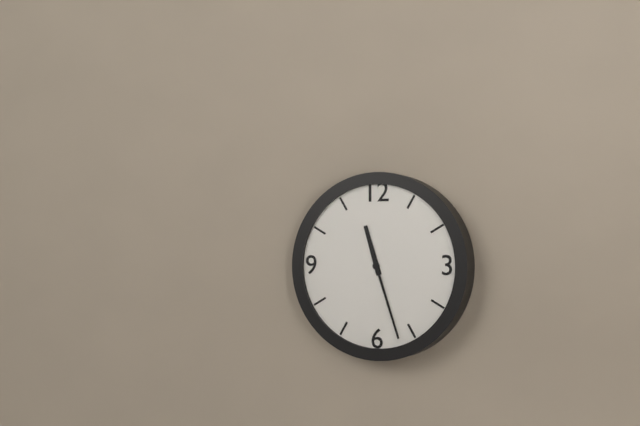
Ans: 11:27
